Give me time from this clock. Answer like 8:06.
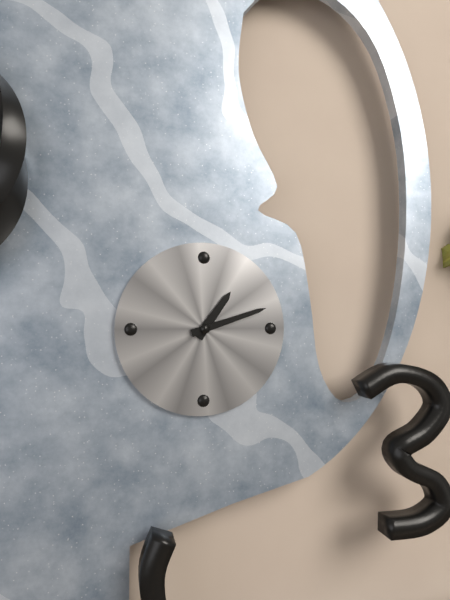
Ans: 1:12
